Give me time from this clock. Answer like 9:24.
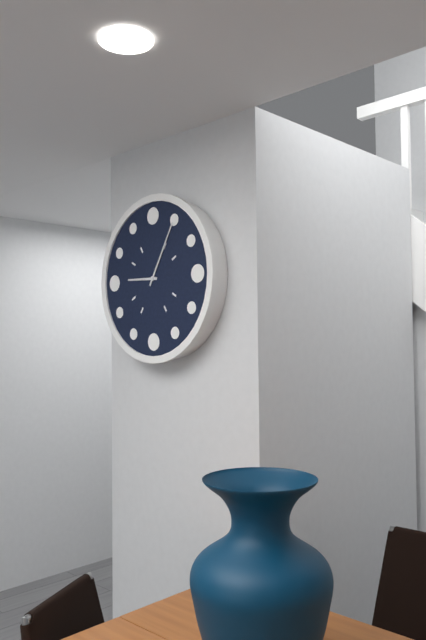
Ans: 9:05
